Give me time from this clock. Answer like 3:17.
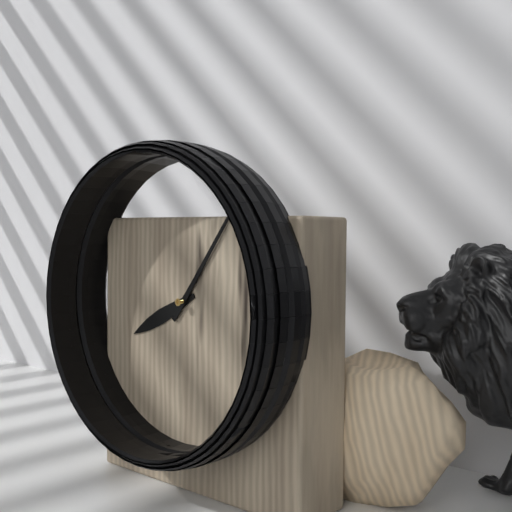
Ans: 8:06
